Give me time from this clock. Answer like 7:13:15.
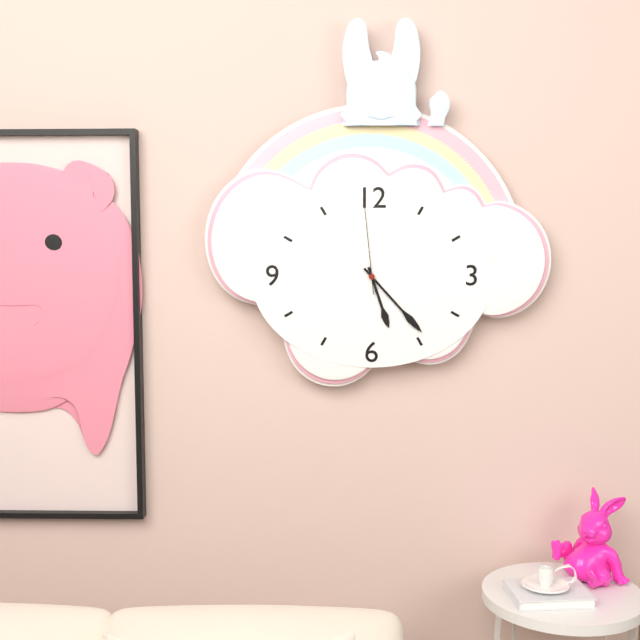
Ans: 5:23:59
